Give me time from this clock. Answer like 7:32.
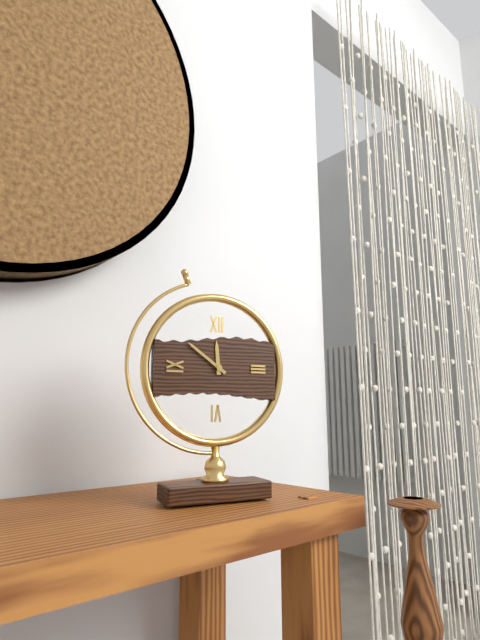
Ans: 11:51
